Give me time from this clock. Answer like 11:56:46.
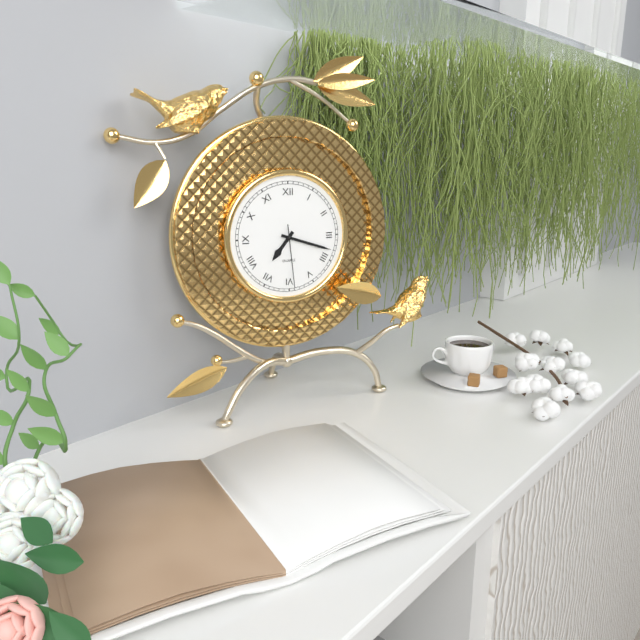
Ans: 7:18:29
